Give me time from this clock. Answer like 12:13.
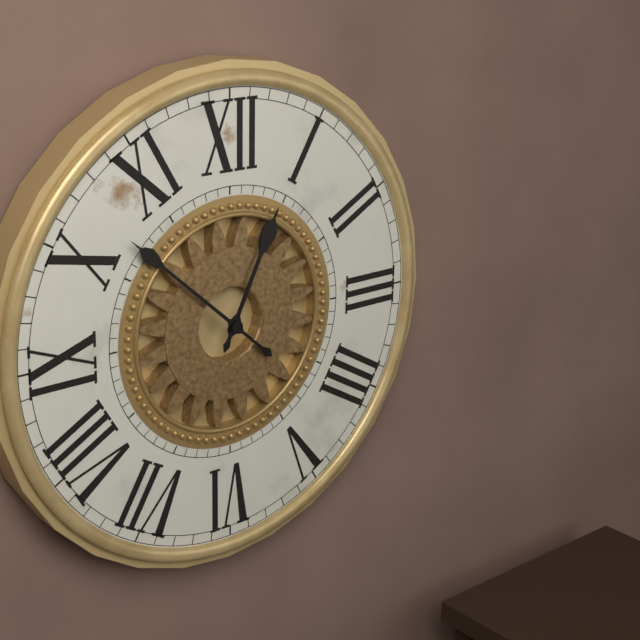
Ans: 12:52
